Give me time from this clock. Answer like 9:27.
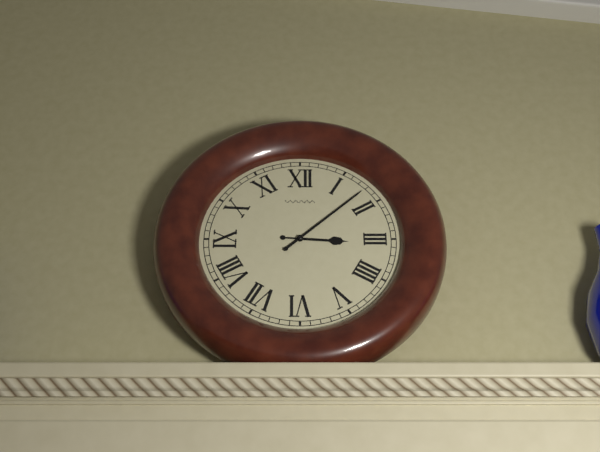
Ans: 3:08
